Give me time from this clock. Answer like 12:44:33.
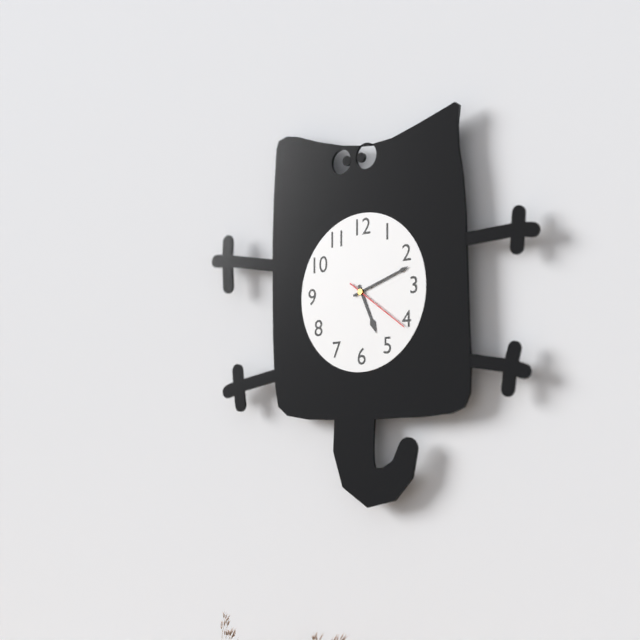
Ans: 5:12:21
